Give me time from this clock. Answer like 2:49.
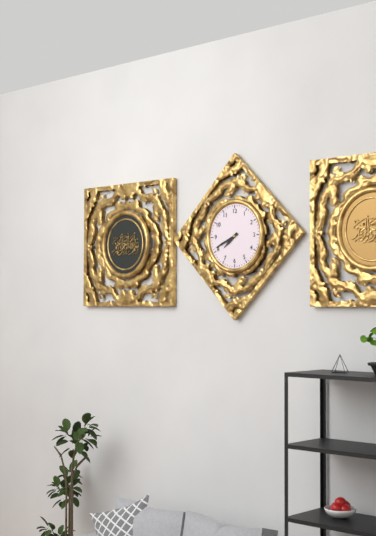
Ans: 7:41
